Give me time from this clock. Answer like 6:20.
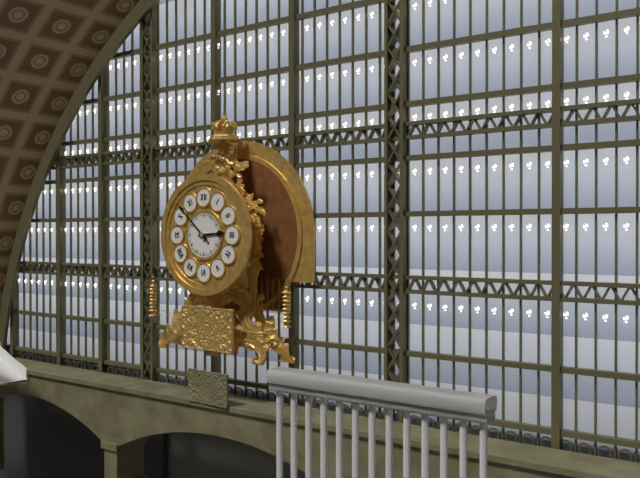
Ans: 2:52
